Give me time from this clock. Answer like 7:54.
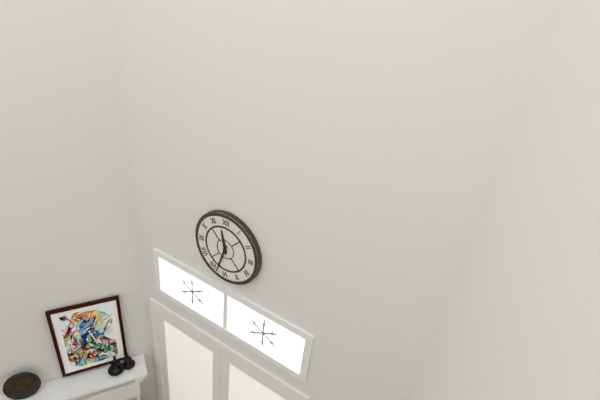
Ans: 11:33
